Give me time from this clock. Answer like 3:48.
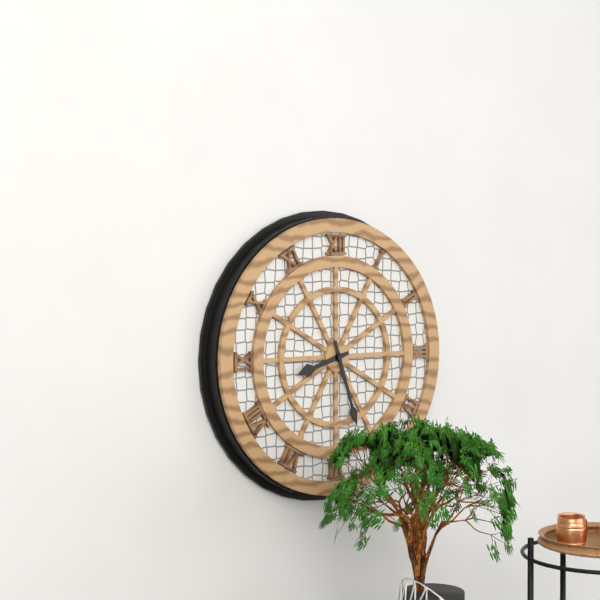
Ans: 8:27
